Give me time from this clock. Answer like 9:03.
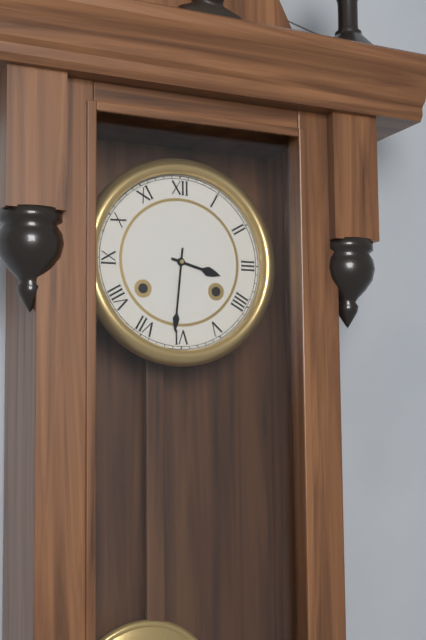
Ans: 3:31
